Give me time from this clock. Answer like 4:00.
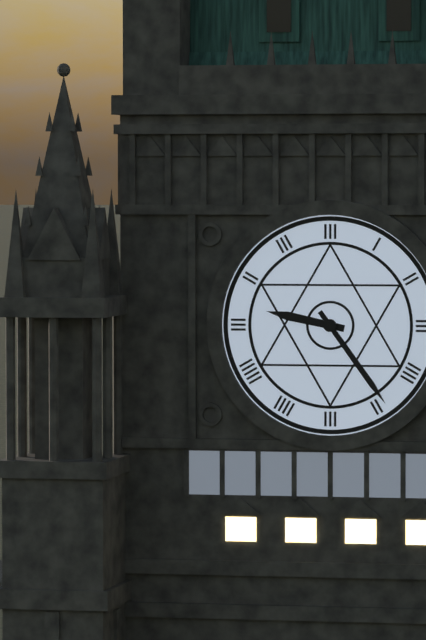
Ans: 9:24
